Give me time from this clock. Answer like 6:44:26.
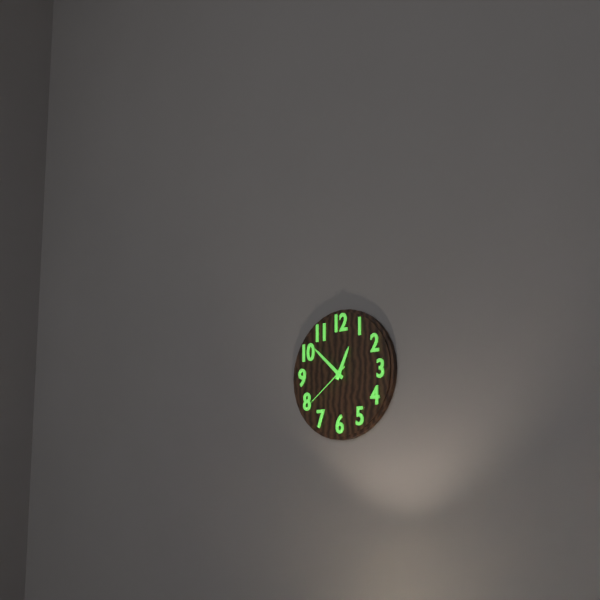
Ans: 12:52:39
